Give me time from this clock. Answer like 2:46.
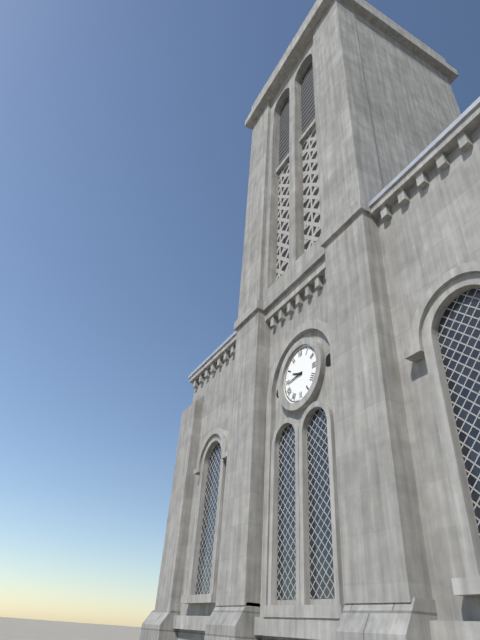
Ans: 9:44
